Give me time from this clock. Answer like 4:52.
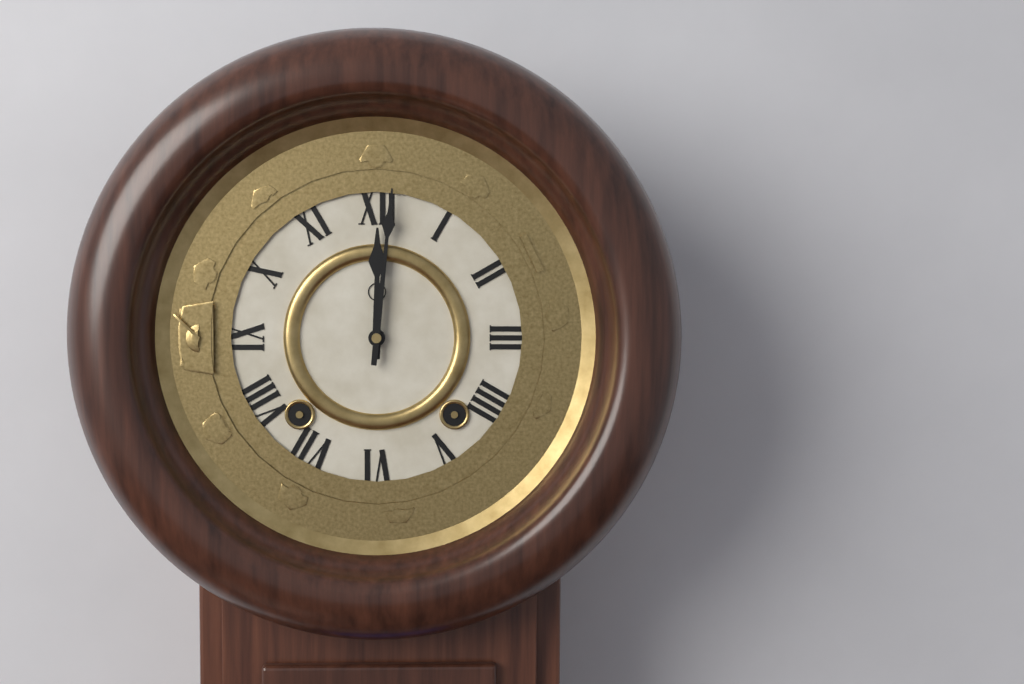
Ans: 12:01
